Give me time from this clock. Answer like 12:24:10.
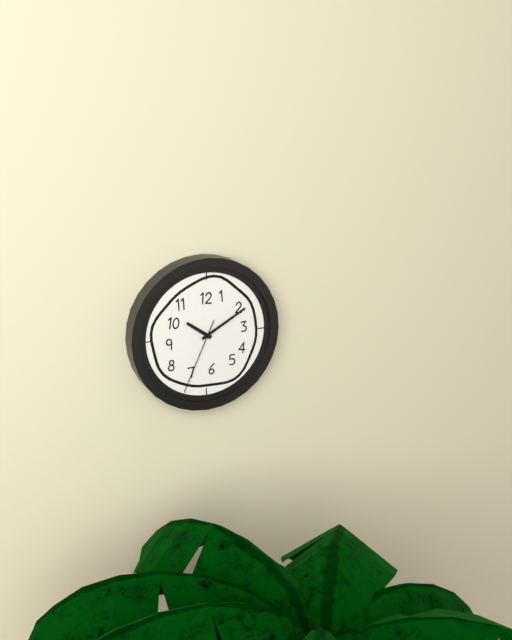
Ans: 10:10:34
